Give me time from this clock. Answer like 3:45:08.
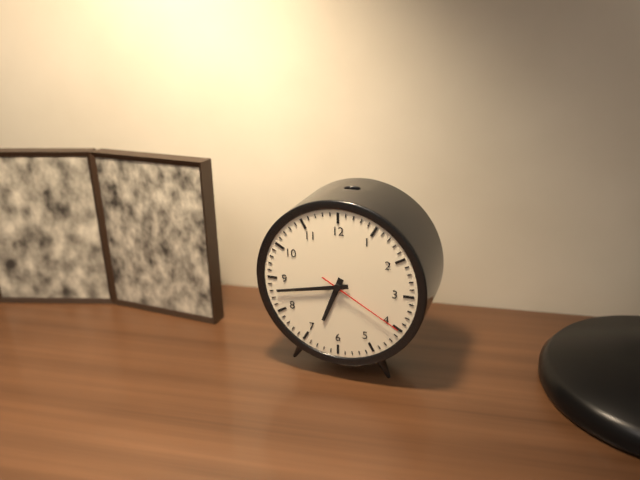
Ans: 6:43:20
